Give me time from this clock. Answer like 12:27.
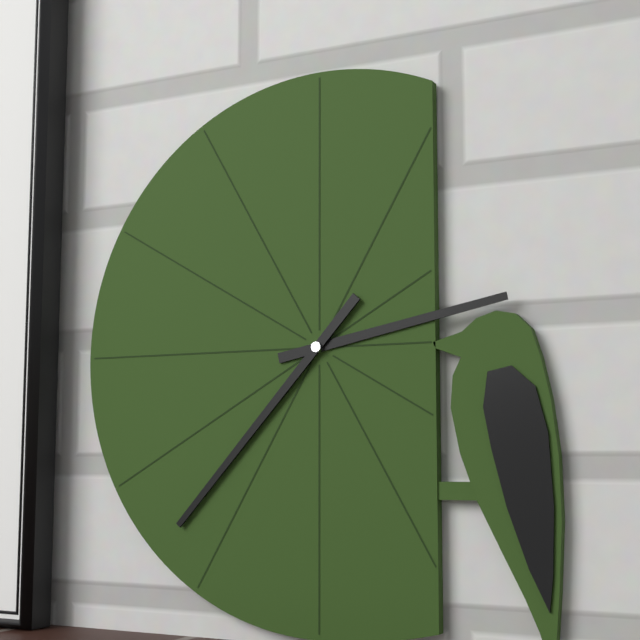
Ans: 2:37
